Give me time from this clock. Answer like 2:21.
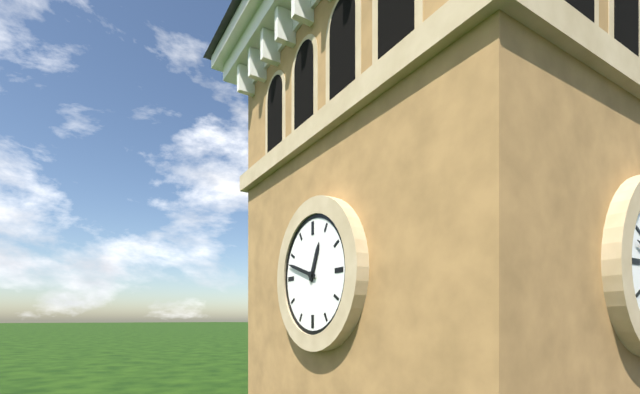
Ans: 12:48
